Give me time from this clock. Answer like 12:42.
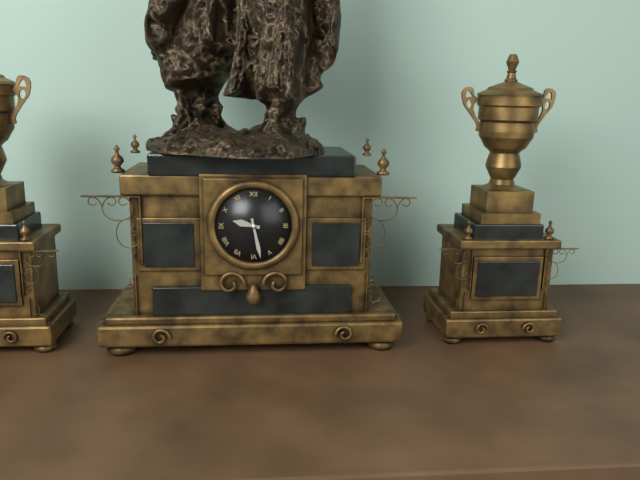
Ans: 9:28
